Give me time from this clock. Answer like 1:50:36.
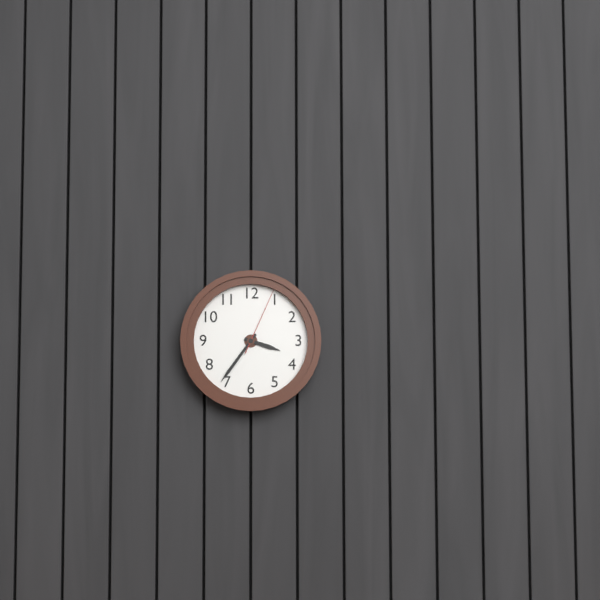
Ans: 3:36:04
